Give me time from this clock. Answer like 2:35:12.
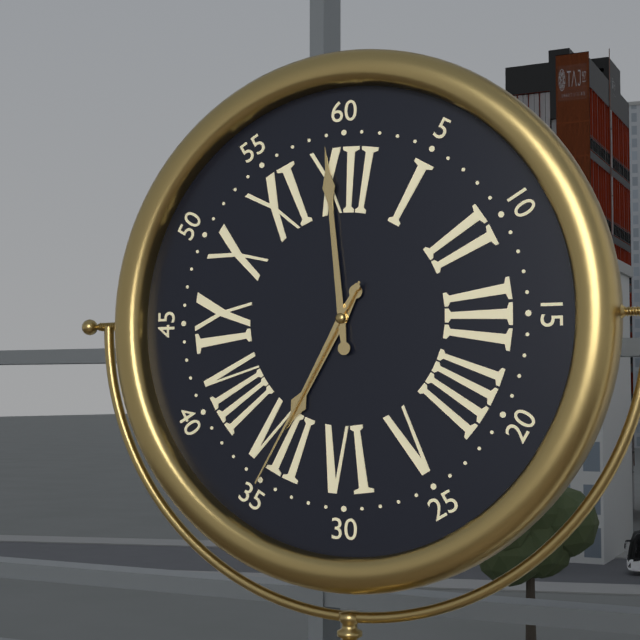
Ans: 6:59:35
